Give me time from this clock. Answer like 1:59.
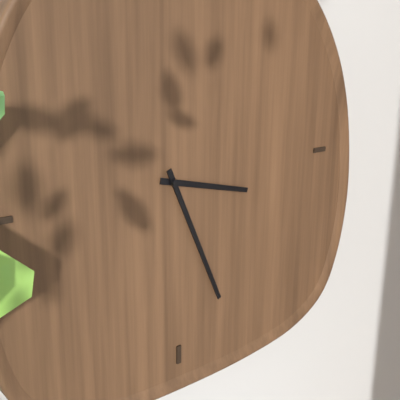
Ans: 3:26
